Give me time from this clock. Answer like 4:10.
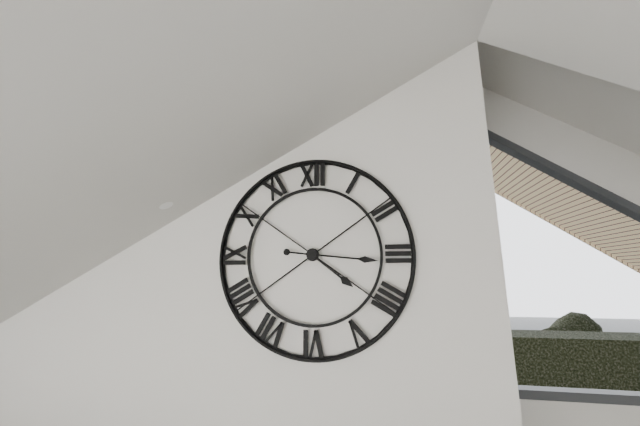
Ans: 4:16
